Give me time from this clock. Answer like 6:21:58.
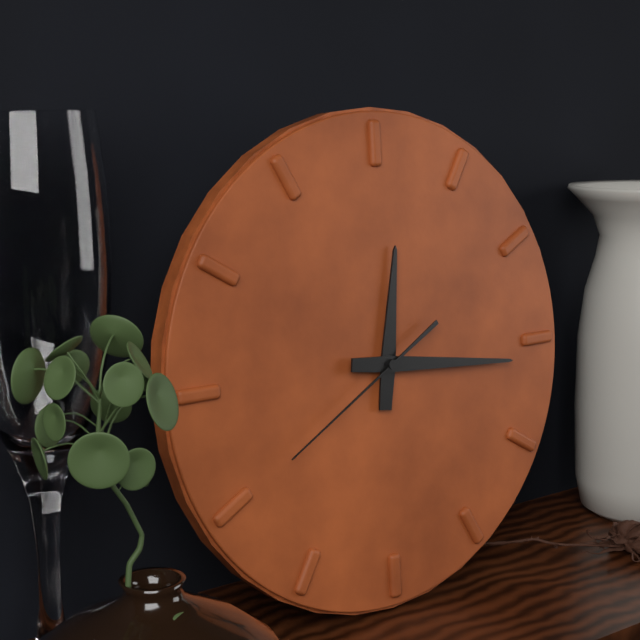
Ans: 12:16:40
